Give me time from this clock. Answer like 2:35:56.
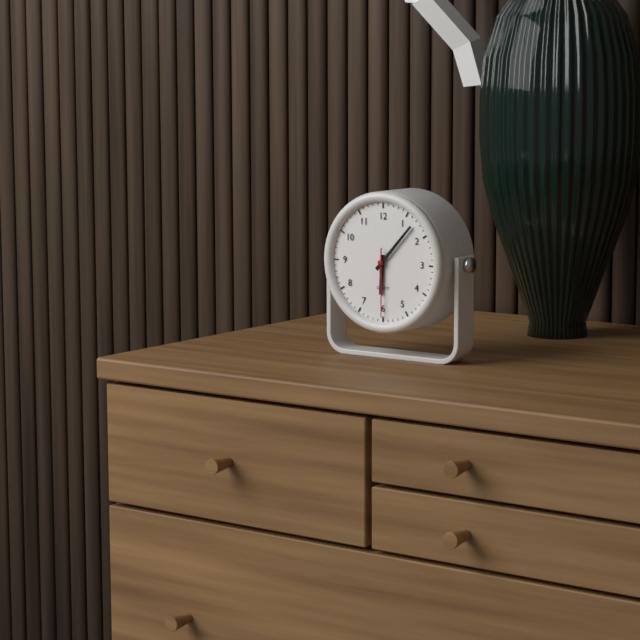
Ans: 6:07:30
